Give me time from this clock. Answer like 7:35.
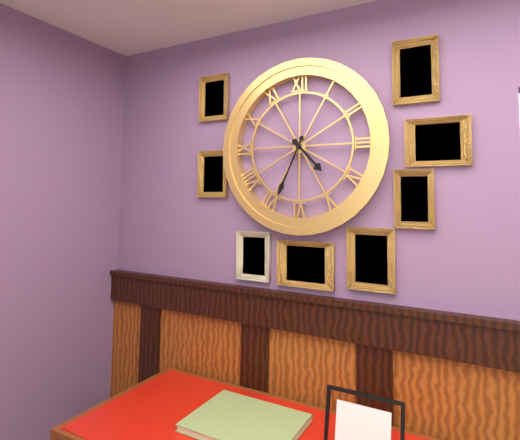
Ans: 4:34
